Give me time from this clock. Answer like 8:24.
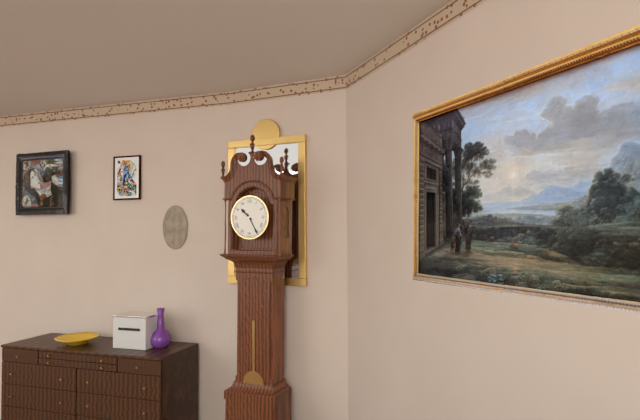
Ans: 10:25
